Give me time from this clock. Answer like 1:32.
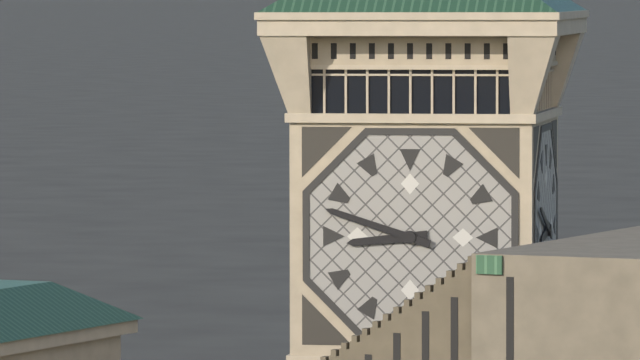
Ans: 8:48
